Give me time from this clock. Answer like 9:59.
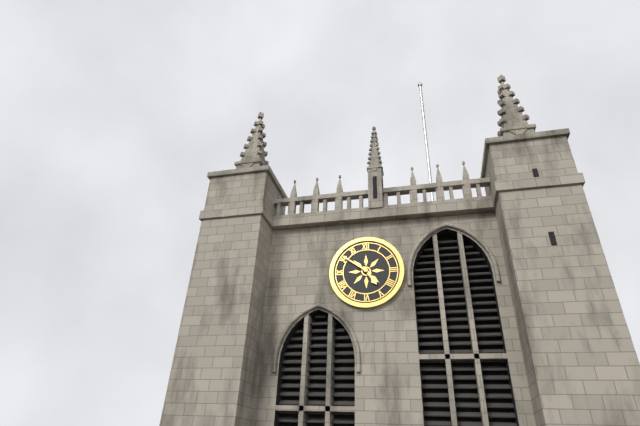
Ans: 4:51
